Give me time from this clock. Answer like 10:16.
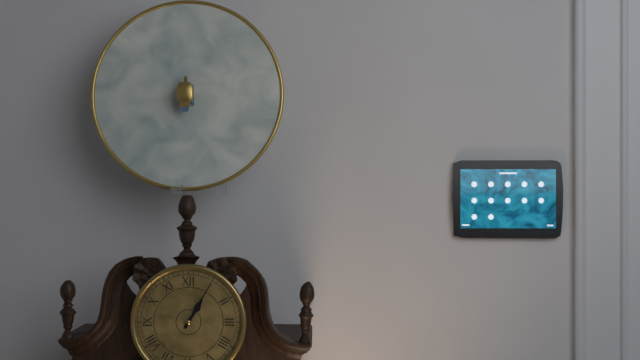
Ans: 1:05
